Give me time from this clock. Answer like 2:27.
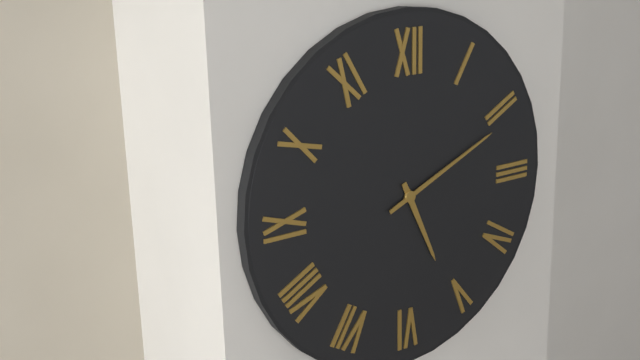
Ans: 5:11
